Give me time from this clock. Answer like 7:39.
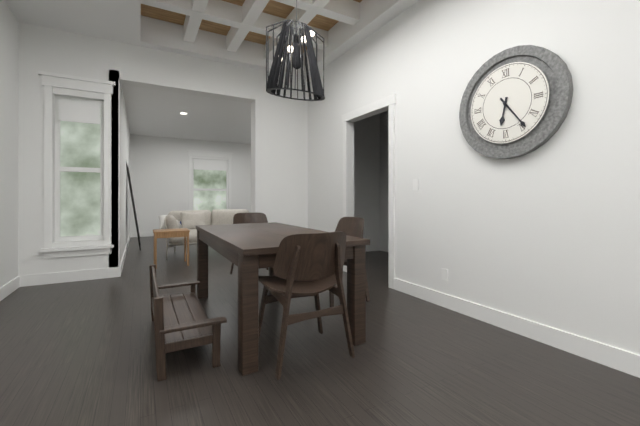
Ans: 6:24
